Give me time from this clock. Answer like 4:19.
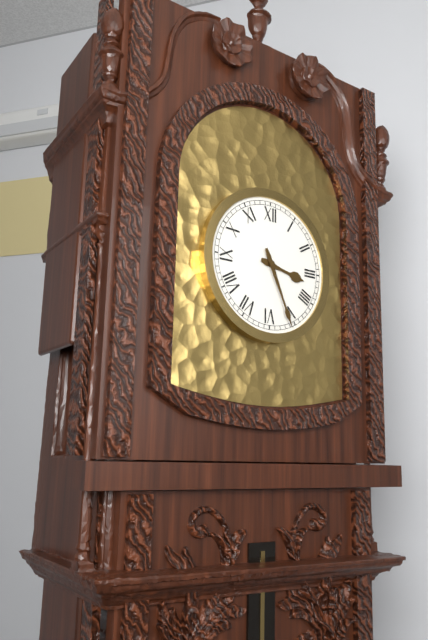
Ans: 3:26
